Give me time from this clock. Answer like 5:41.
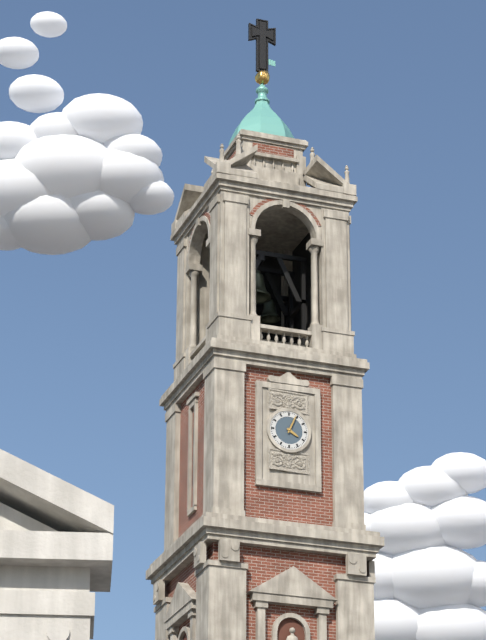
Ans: 4:04
